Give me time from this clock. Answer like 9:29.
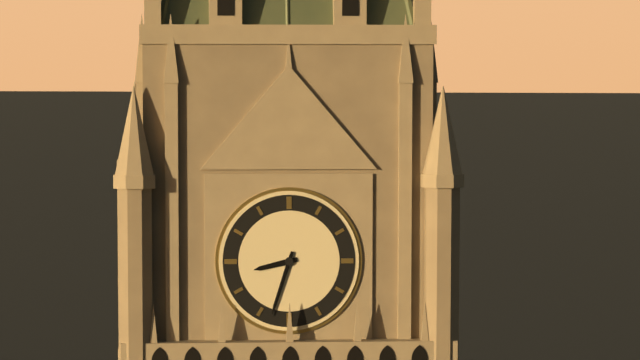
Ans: 8:33
